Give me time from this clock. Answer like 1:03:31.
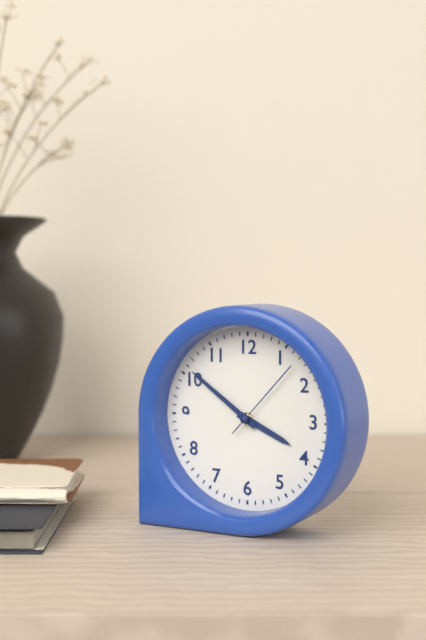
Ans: 3:51:07
